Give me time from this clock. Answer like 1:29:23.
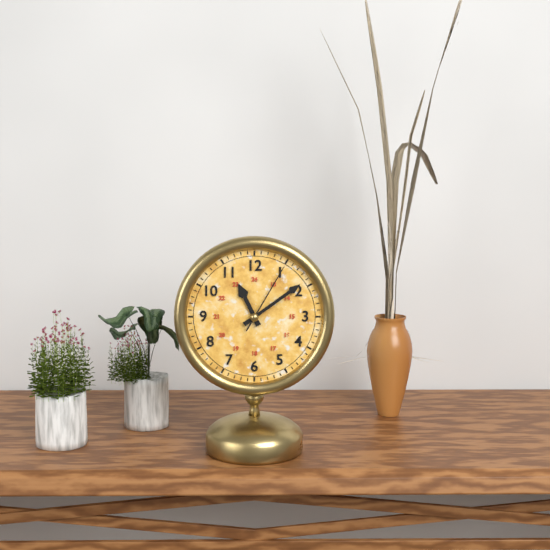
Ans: 11:09:05
